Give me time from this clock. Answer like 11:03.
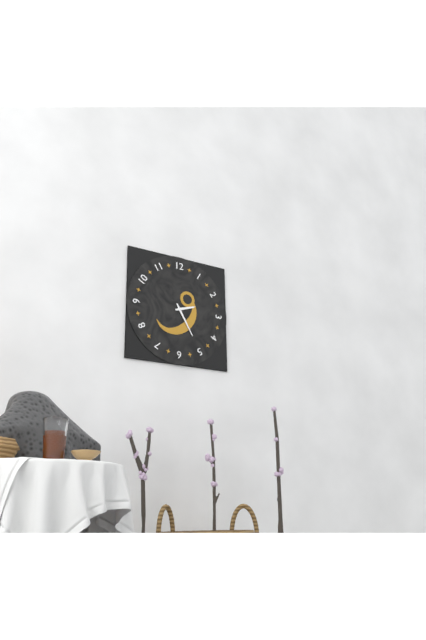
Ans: 2:25
